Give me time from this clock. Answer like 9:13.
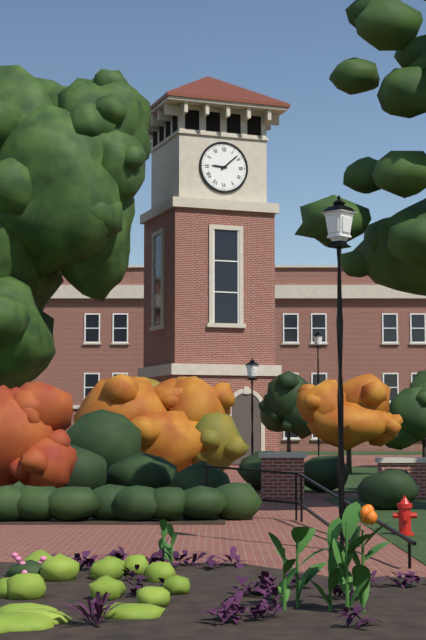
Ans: 9:08
